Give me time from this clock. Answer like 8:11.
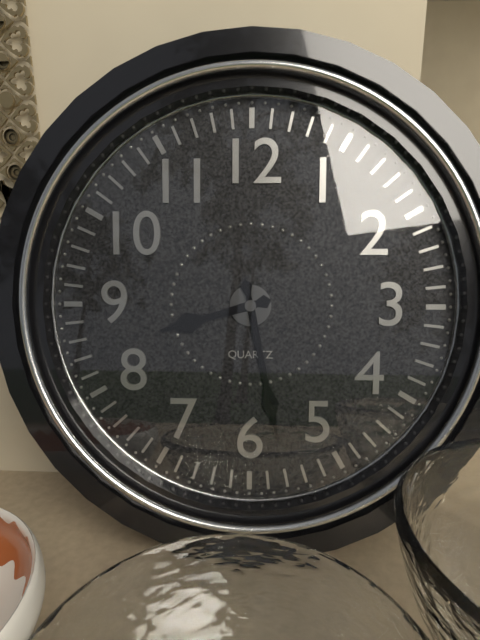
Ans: 8:28
